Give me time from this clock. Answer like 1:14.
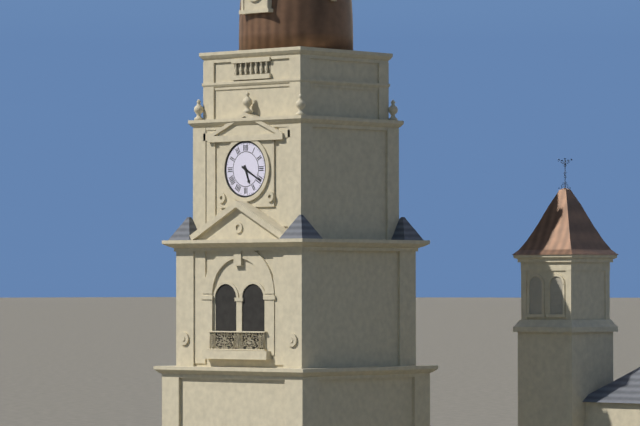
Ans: 5:20
